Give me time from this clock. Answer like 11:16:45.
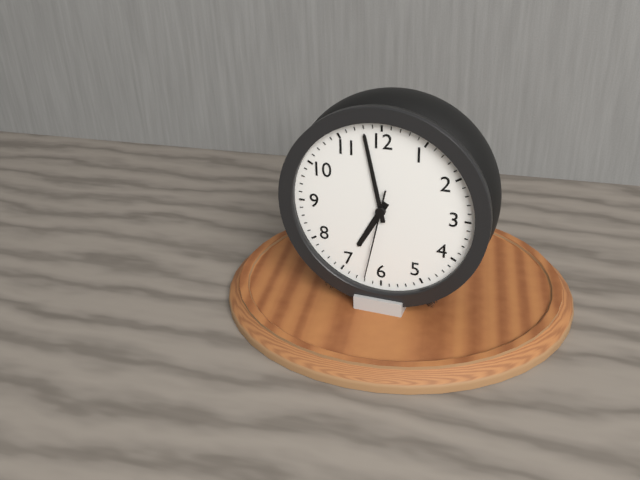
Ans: 6:58:32
